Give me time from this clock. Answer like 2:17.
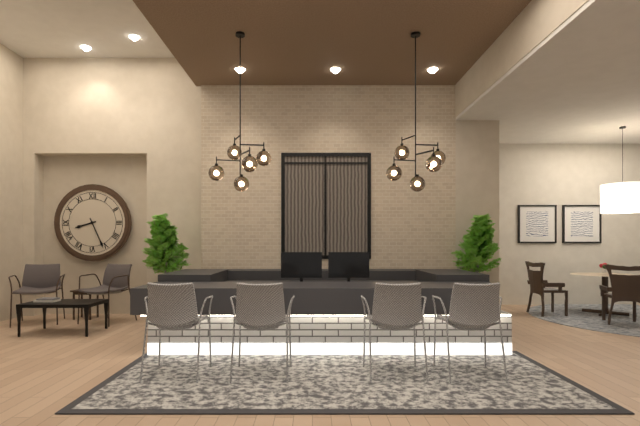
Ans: 8:26
